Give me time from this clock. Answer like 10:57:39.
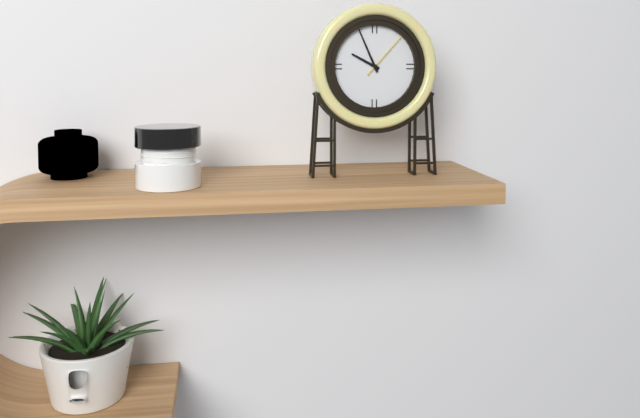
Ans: 9:56:07
